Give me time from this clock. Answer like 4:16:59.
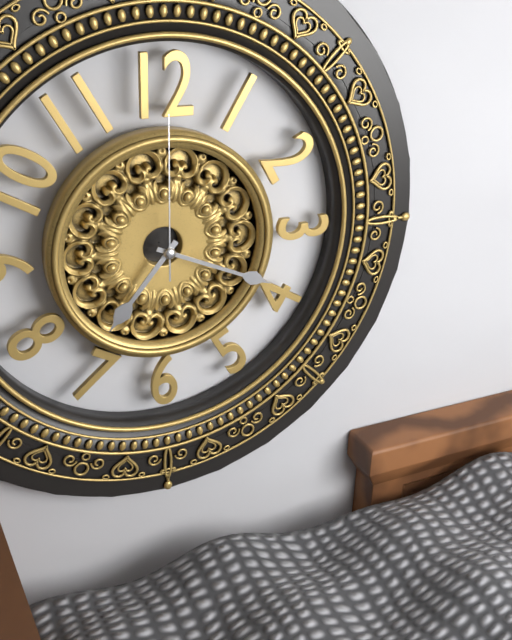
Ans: 7:19:00
